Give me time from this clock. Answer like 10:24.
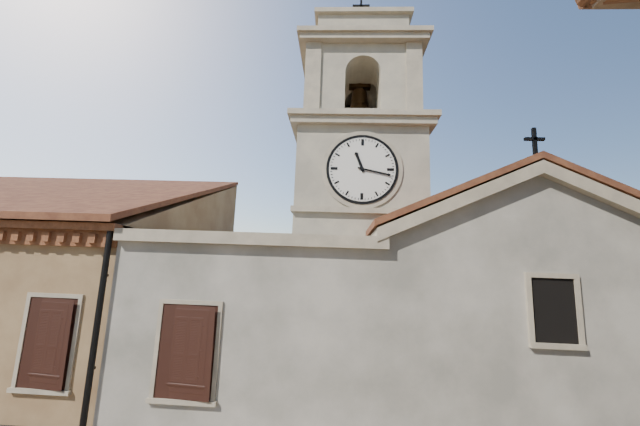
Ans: 11:17
